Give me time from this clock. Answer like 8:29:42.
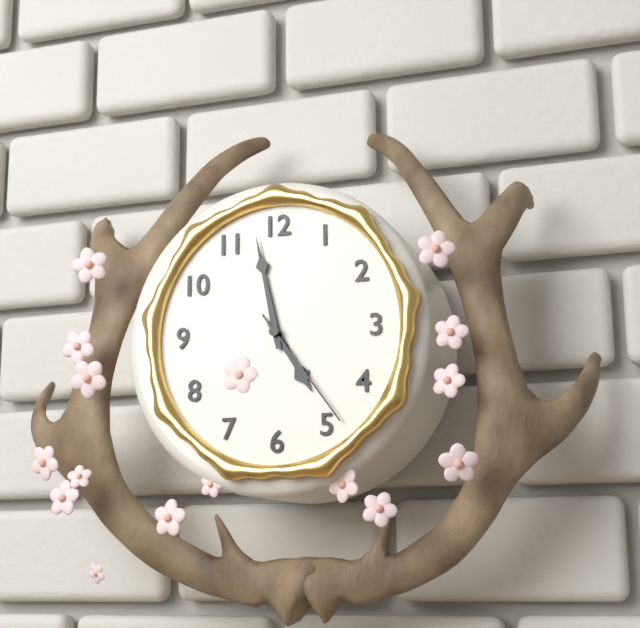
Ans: 4:58:24
